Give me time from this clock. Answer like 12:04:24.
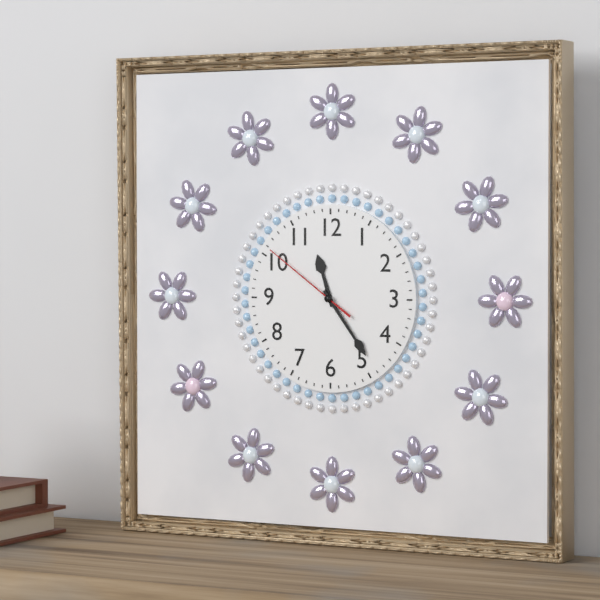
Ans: 11:24:51
